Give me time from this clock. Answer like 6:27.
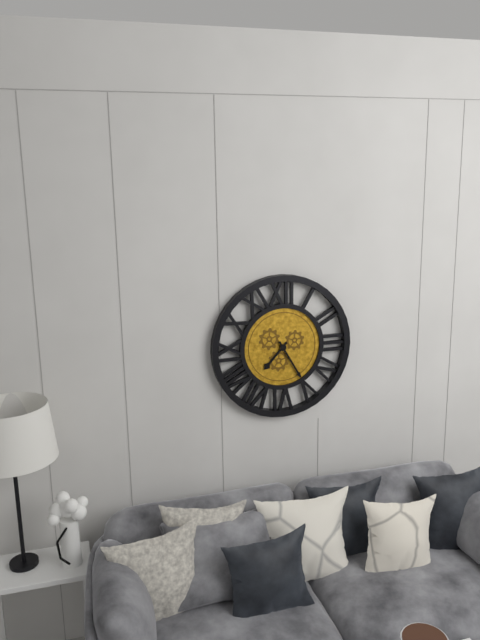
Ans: 7:25
